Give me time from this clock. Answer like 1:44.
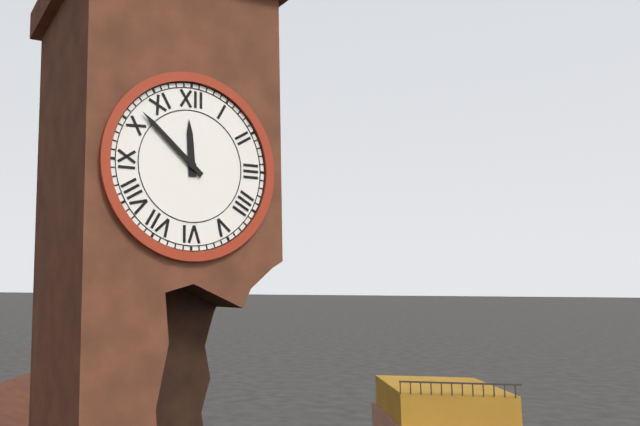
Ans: 11:52
